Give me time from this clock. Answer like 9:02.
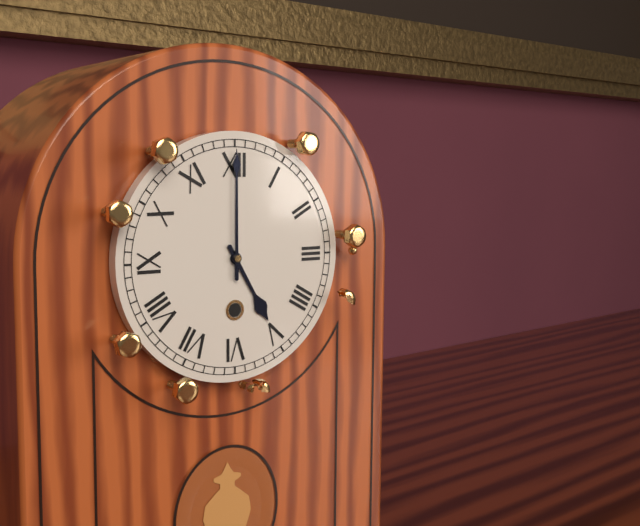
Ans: 5:00
